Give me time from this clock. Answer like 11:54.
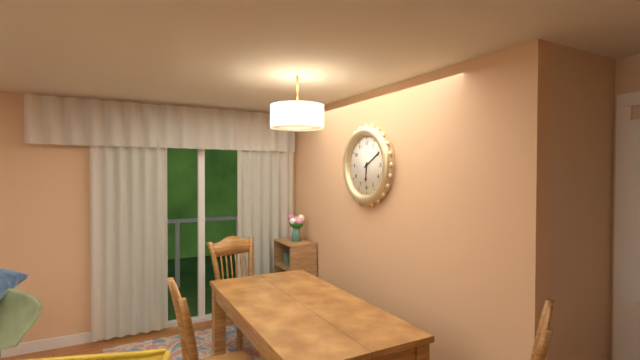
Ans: 6:10
